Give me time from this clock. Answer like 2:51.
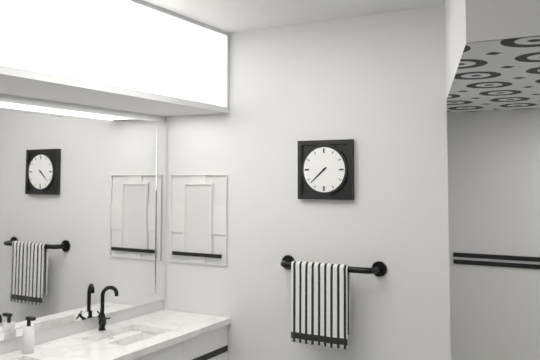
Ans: 7:38
